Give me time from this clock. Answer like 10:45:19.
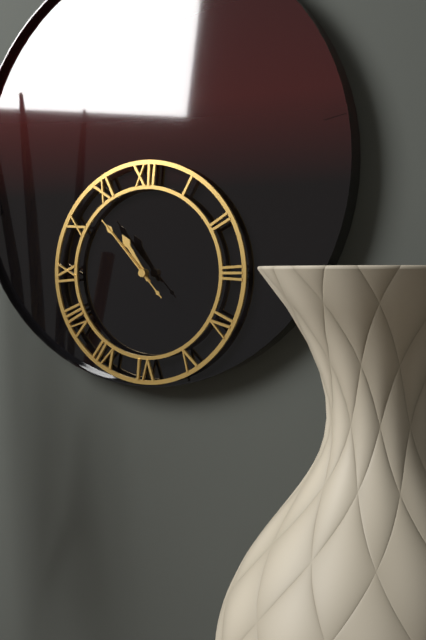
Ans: 10:53:53
